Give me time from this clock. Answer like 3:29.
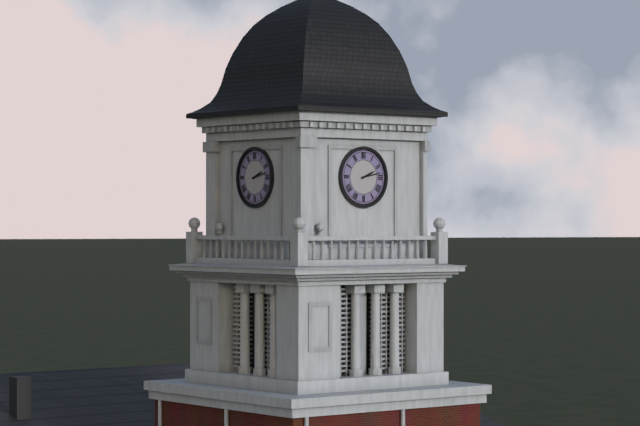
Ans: 2:13
